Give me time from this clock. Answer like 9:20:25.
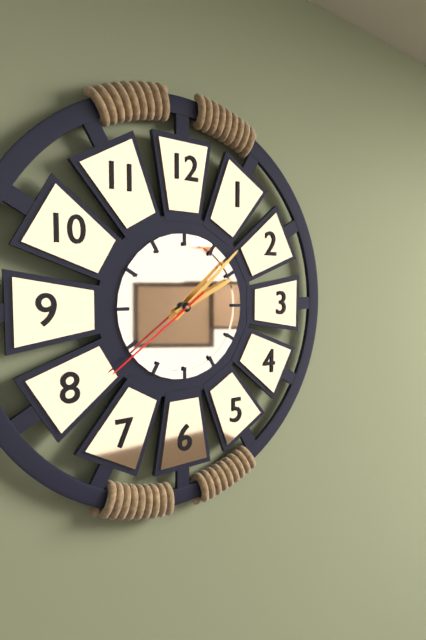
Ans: 2:08:39
